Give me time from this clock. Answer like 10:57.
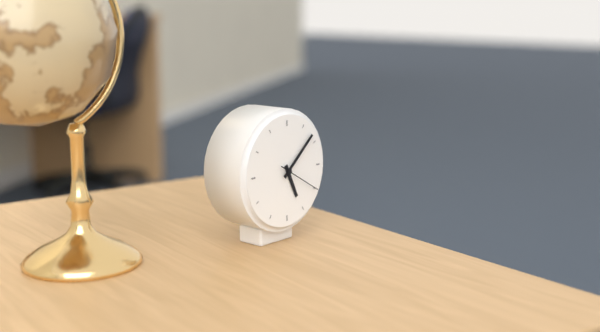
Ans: 5:08
